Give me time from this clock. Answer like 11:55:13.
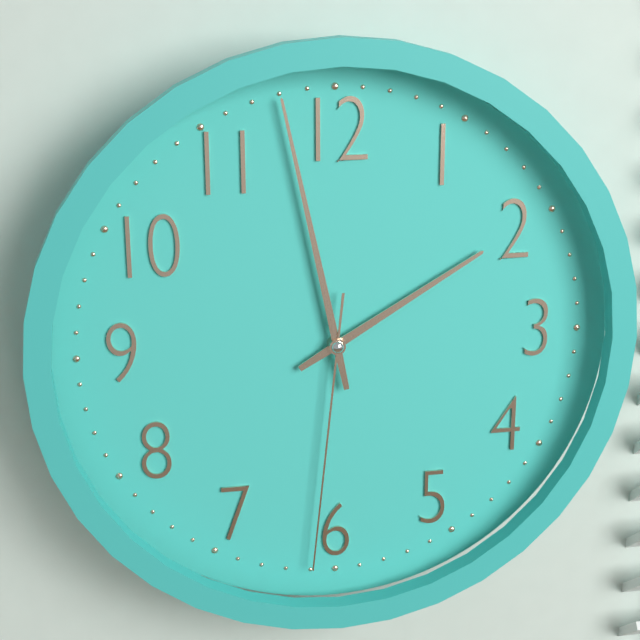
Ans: 1:58:31
